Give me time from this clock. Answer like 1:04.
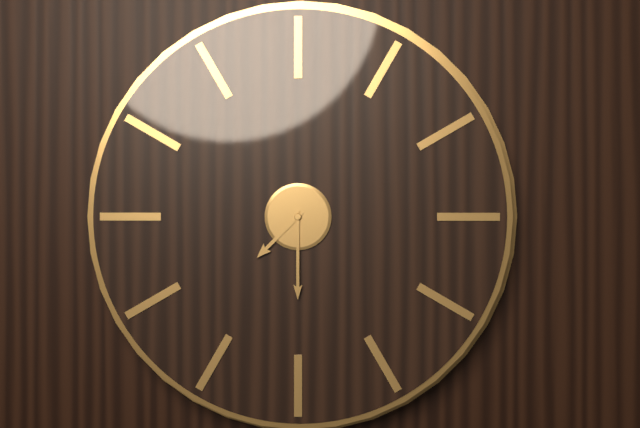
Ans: 7:30
